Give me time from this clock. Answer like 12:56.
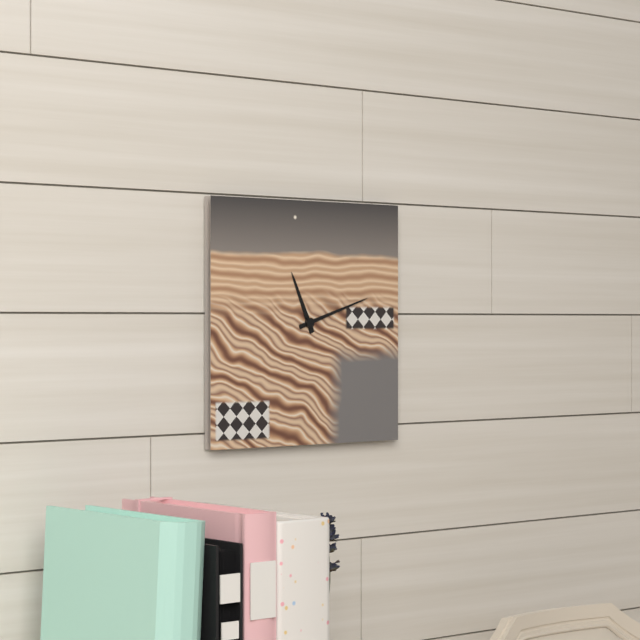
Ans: 11:12
